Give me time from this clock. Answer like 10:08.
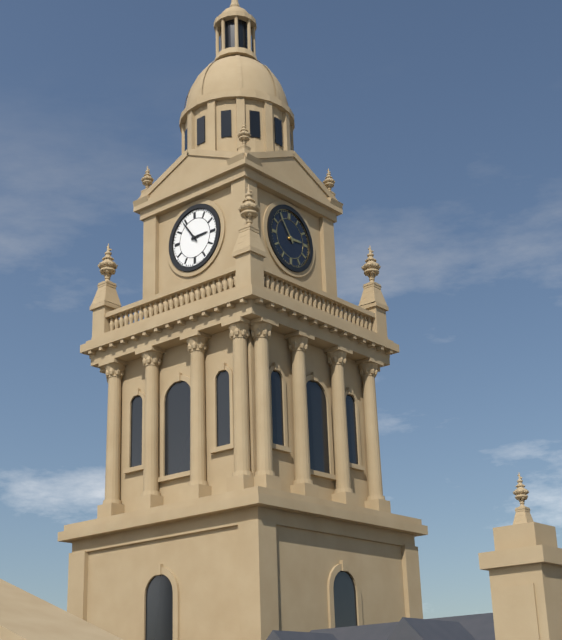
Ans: 2:54
